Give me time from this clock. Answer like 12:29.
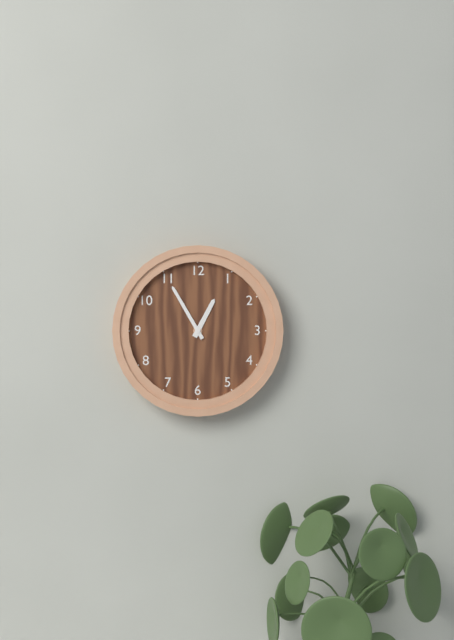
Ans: 12:55
